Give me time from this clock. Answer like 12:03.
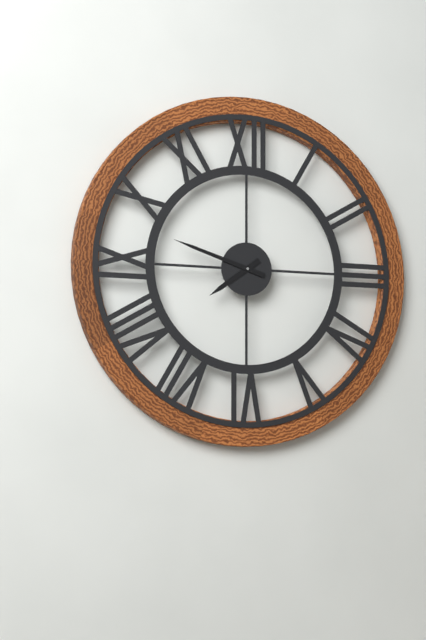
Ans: 7:48
